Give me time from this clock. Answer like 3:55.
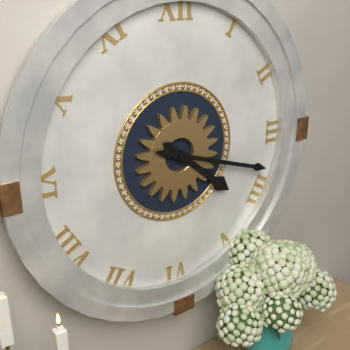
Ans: 4:18
